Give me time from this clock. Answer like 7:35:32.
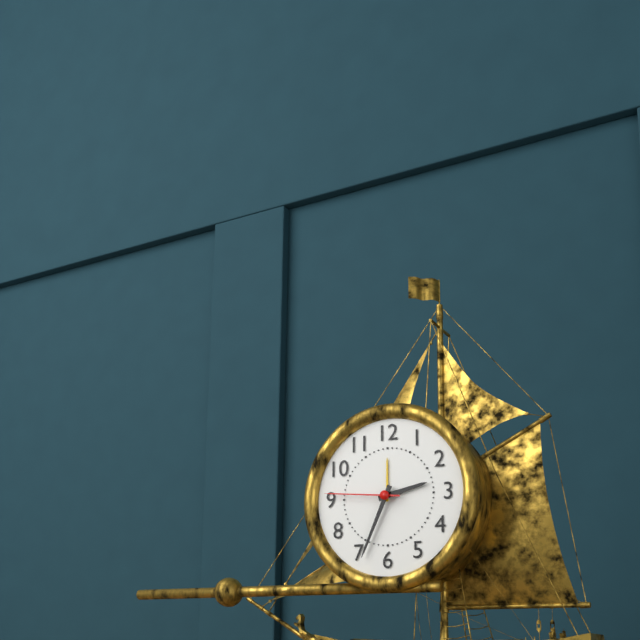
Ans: 2:34:46
